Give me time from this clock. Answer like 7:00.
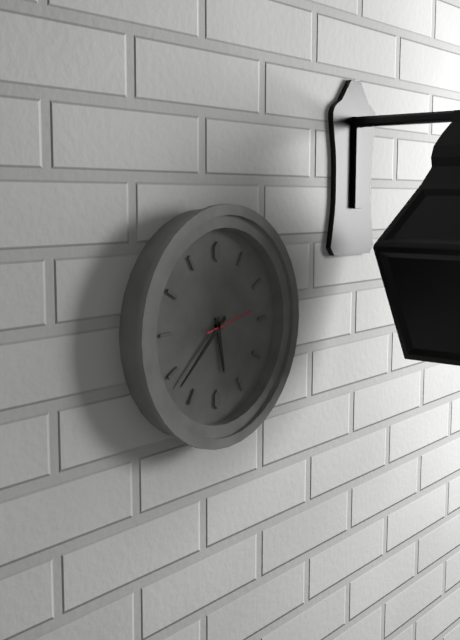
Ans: 5:38
